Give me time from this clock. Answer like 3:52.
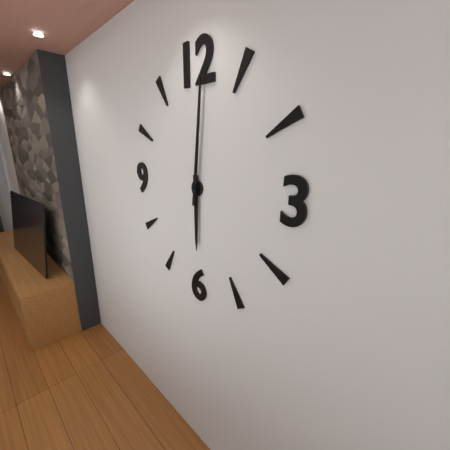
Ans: 6:01
